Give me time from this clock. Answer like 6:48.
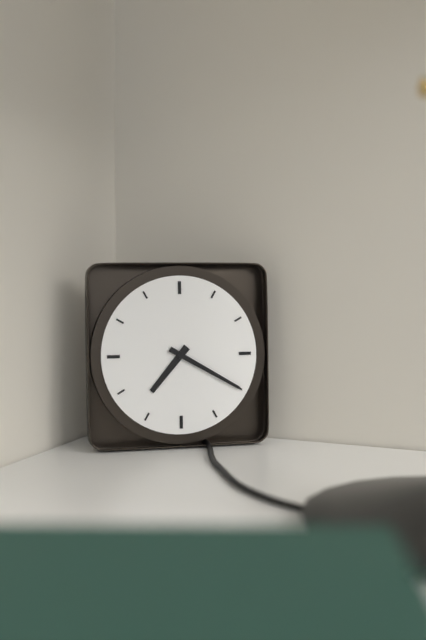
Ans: 7:20
